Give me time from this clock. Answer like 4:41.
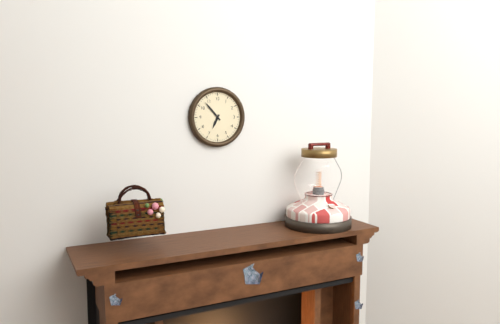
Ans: 6:53
